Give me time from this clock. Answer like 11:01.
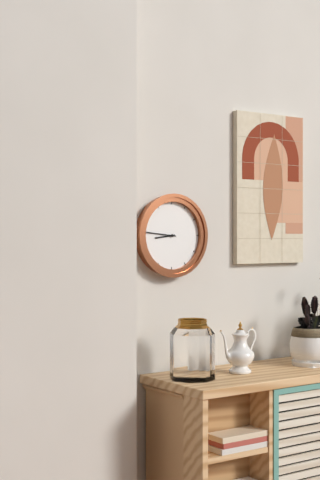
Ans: 8:46
